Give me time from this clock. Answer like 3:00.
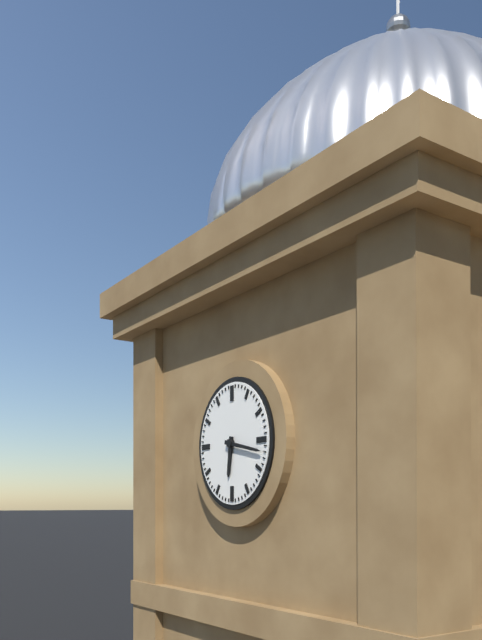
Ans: 6:17
